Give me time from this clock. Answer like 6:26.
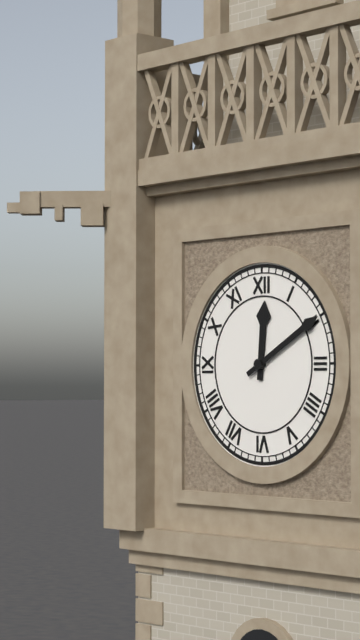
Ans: 12:10
